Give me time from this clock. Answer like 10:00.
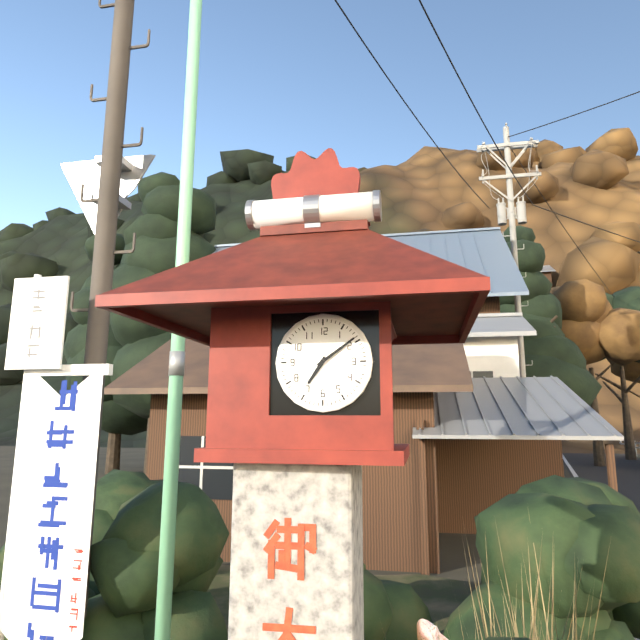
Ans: 7:09
